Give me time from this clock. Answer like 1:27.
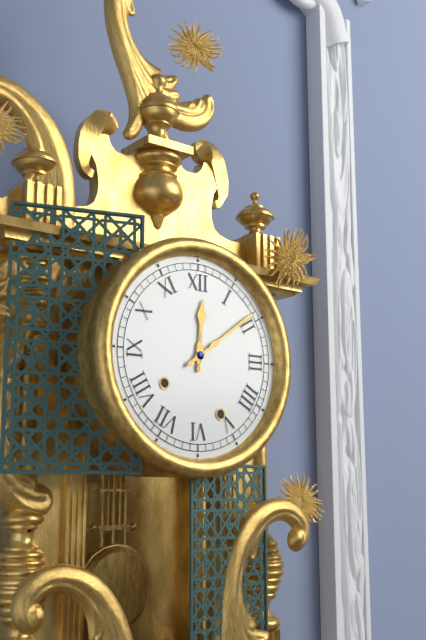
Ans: 12:09
